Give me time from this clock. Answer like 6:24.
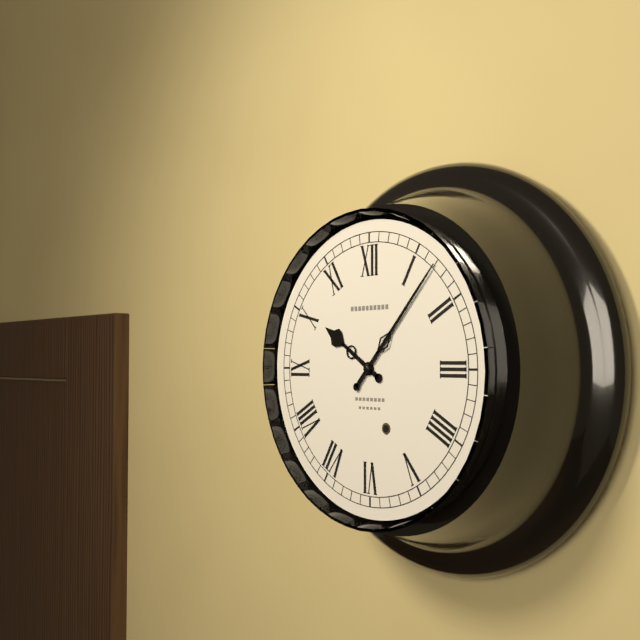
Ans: 10:07
